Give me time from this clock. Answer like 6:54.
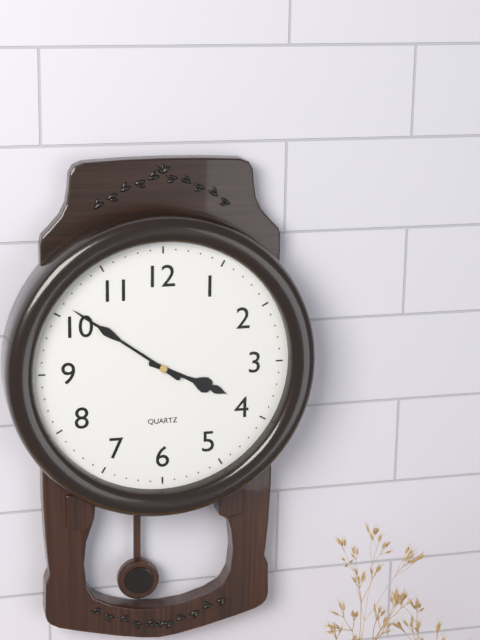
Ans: 3:51
